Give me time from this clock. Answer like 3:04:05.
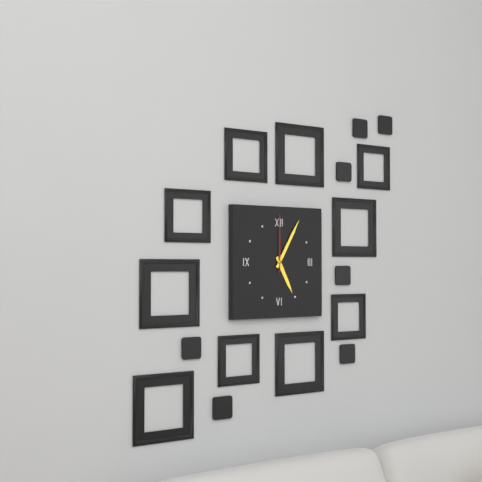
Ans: 5:05:00
